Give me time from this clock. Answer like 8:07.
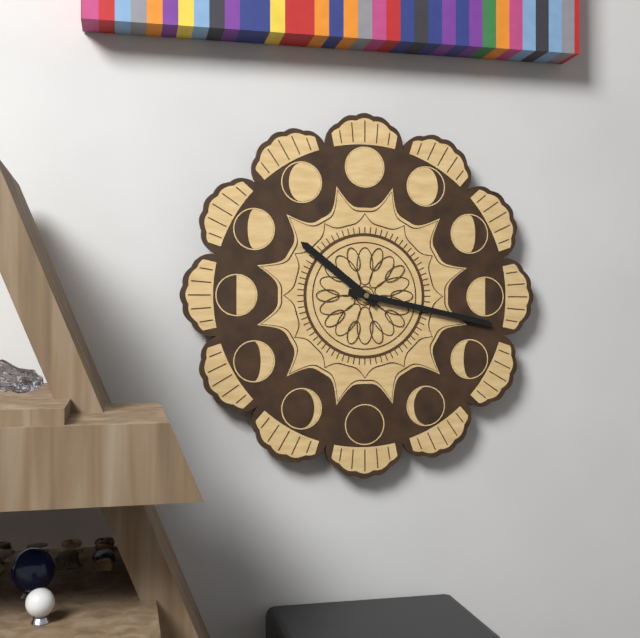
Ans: 10:17
